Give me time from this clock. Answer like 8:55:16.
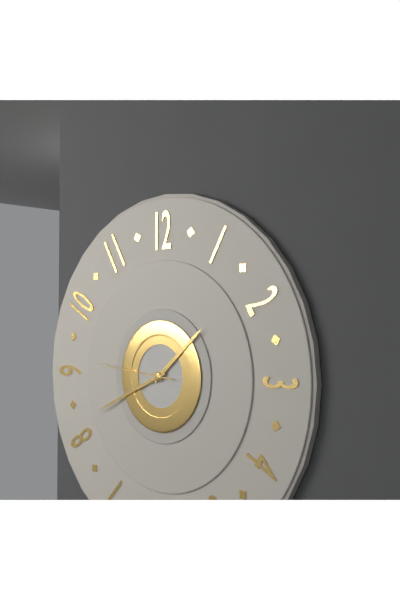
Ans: 1:41:46
